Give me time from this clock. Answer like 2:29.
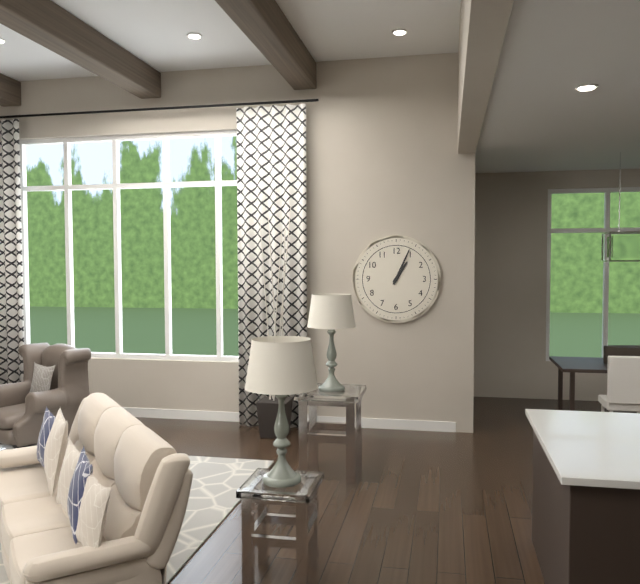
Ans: 1:04
